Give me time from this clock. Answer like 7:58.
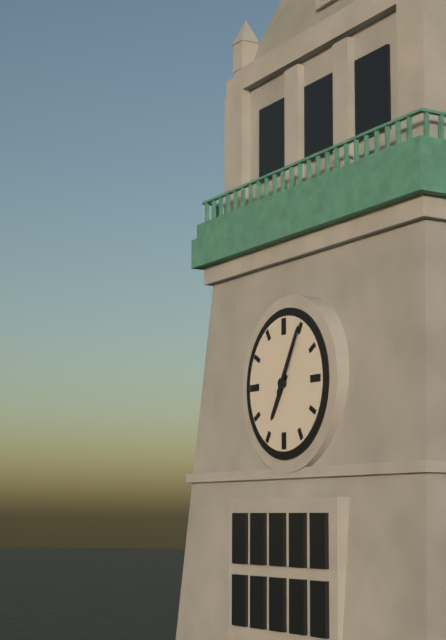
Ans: 7:05
